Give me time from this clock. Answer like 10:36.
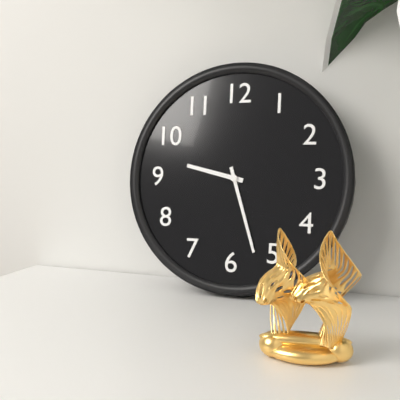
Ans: 9:27
